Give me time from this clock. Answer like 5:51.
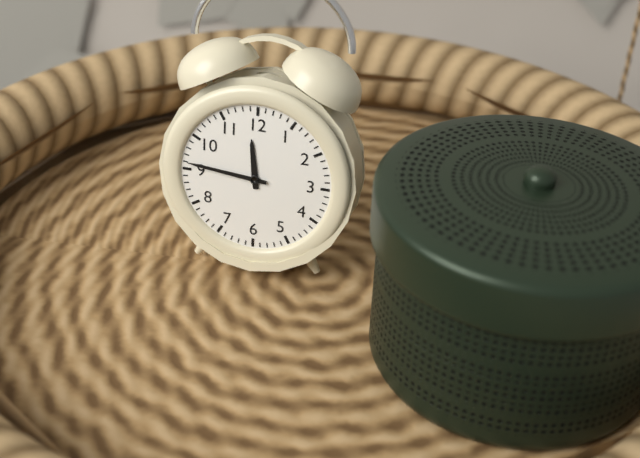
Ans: 11:46
